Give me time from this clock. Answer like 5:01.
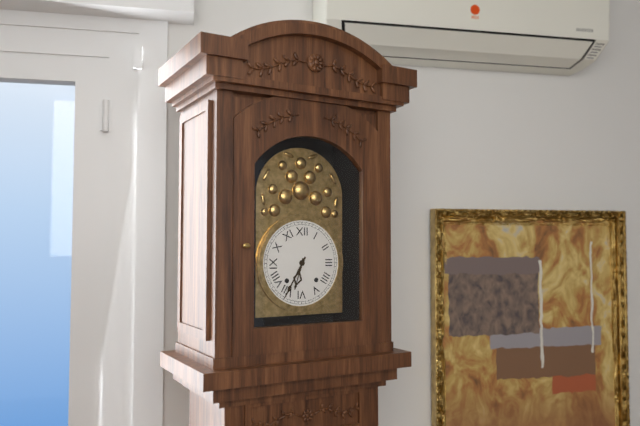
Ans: 6:35
